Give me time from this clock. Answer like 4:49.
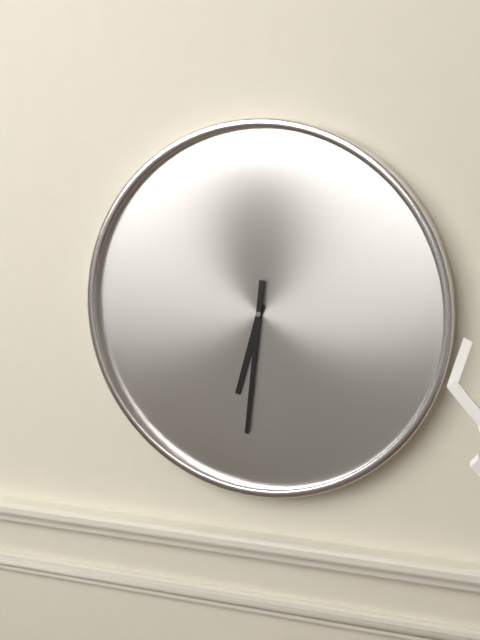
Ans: 6:31
